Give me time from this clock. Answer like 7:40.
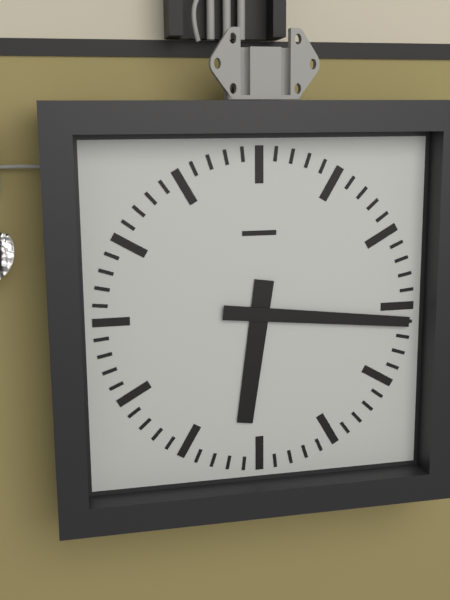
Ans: 6:16
